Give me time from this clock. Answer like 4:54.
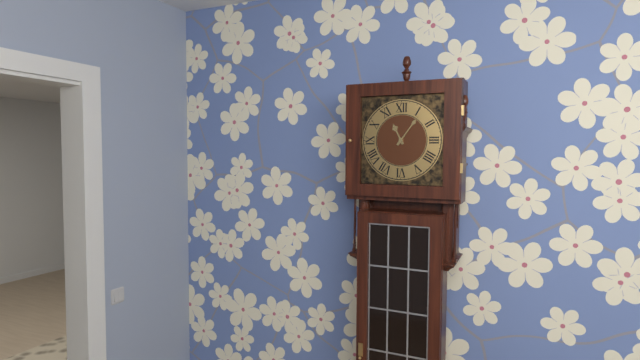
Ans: 11:06
